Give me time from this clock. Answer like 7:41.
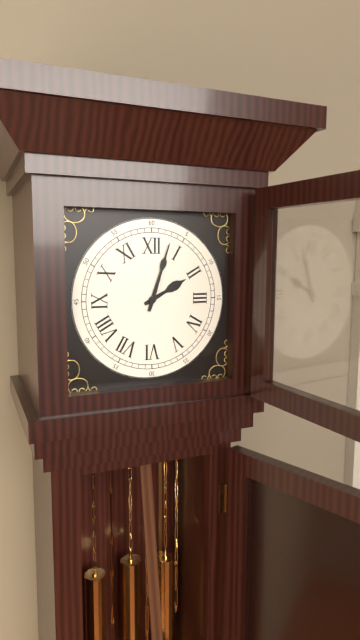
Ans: 2:03
